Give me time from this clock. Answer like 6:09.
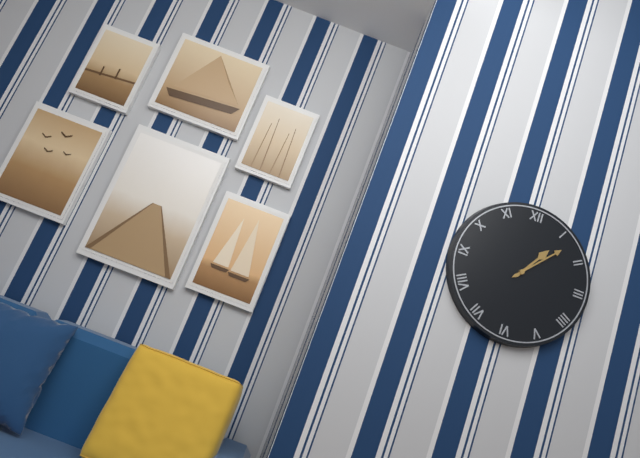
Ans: 1:07
